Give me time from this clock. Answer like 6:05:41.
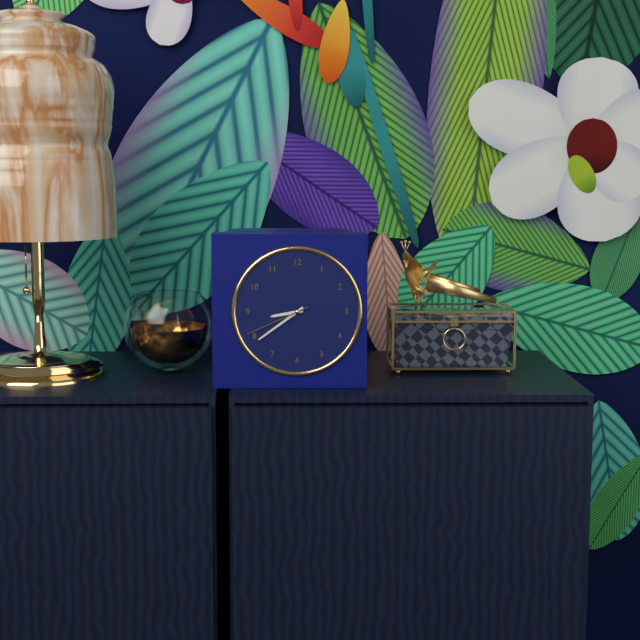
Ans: 8:39:41
